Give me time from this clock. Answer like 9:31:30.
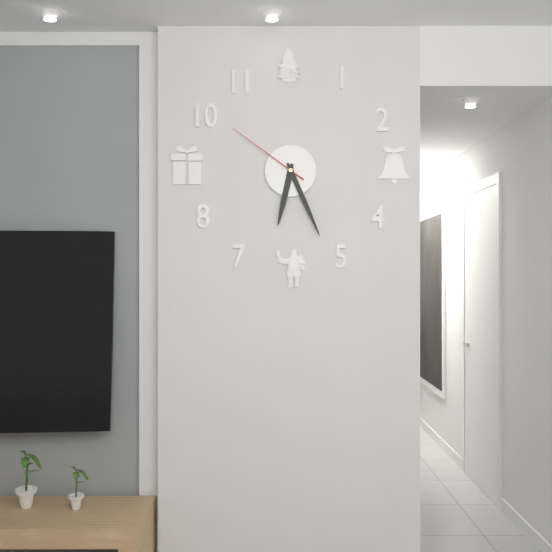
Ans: 6:26:51
